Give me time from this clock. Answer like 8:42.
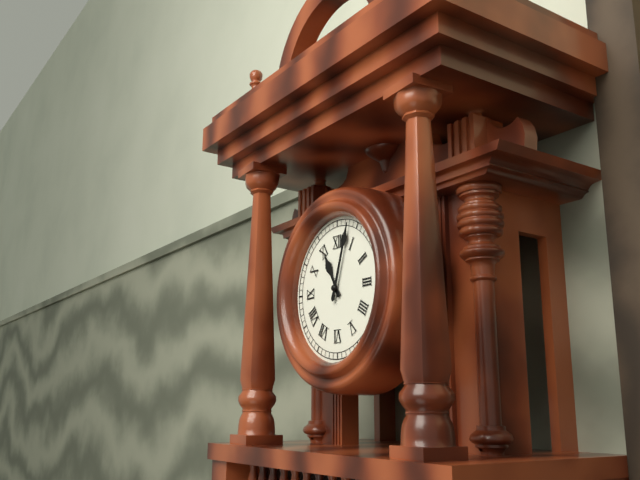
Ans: 11:03
